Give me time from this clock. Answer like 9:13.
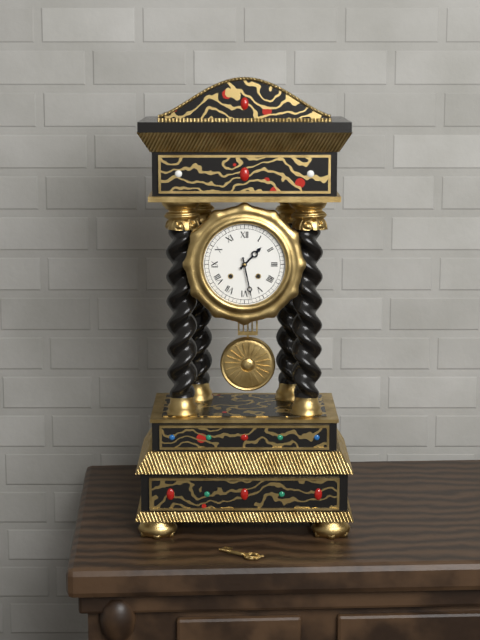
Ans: 1:28
